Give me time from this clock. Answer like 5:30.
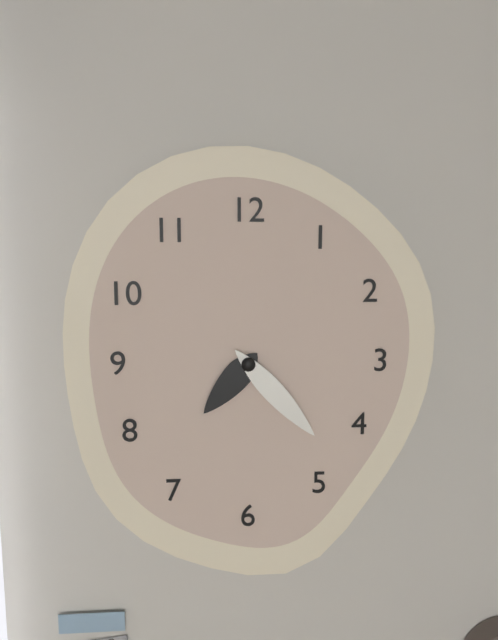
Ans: 7:23
